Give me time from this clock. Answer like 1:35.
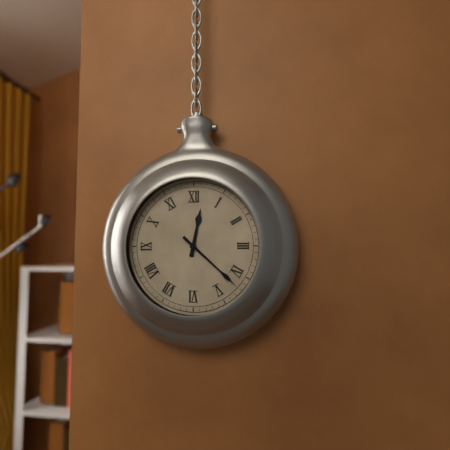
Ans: 12:22
